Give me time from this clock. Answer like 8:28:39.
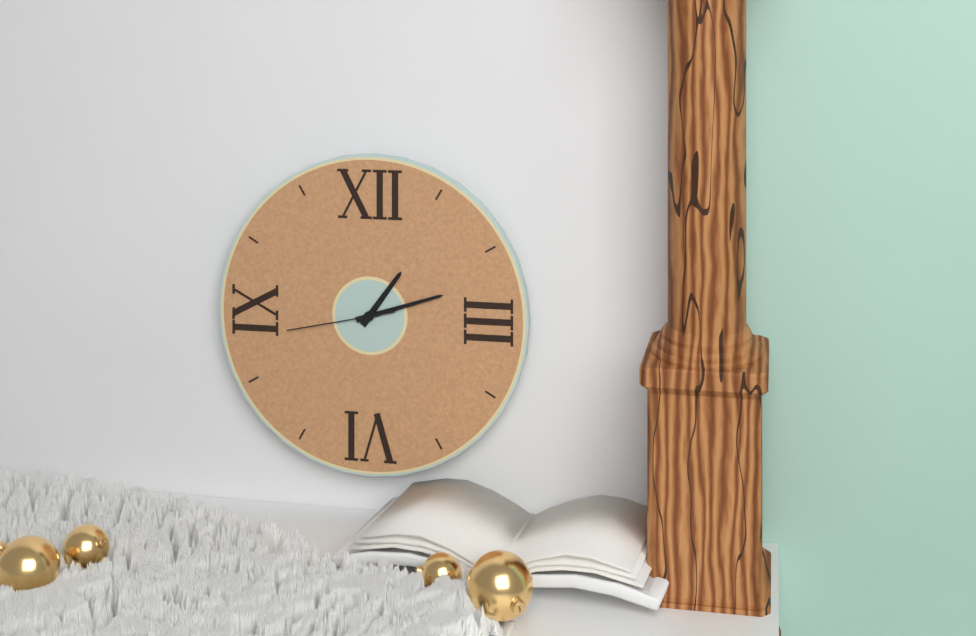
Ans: 1:12:43
